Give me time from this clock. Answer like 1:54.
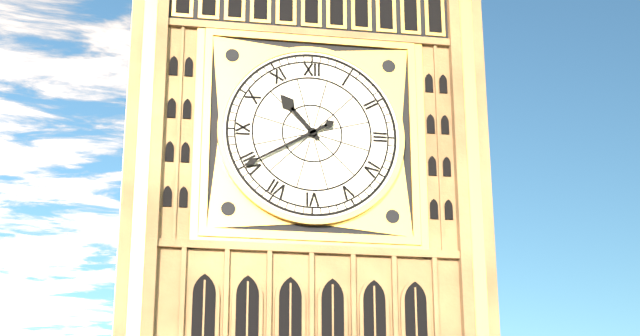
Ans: 10:40
